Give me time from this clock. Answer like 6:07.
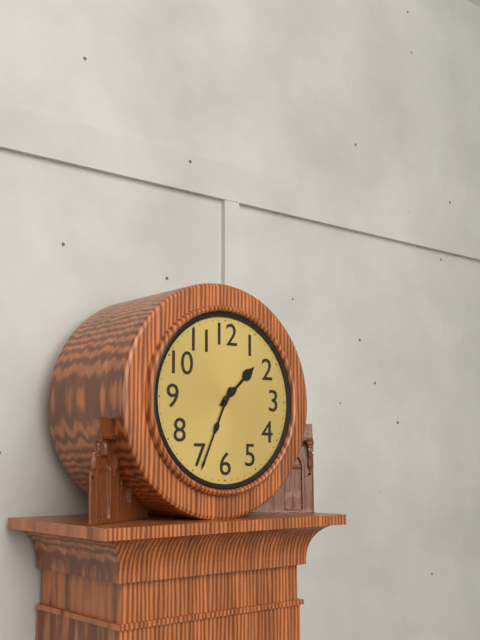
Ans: 1:34
